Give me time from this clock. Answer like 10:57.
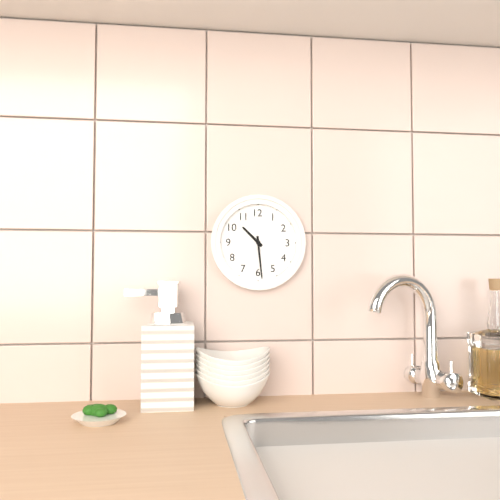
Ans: 10:29
